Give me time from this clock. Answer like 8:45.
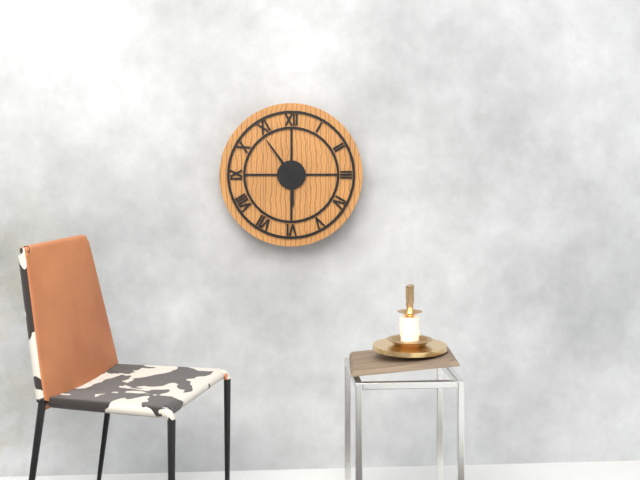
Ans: 5:54
